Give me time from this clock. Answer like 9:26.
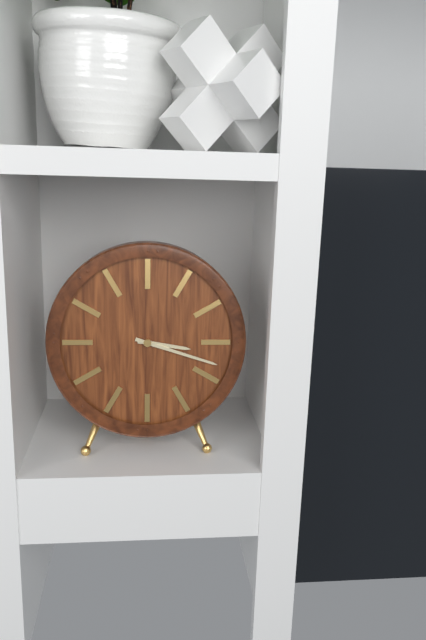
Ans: 3:18
